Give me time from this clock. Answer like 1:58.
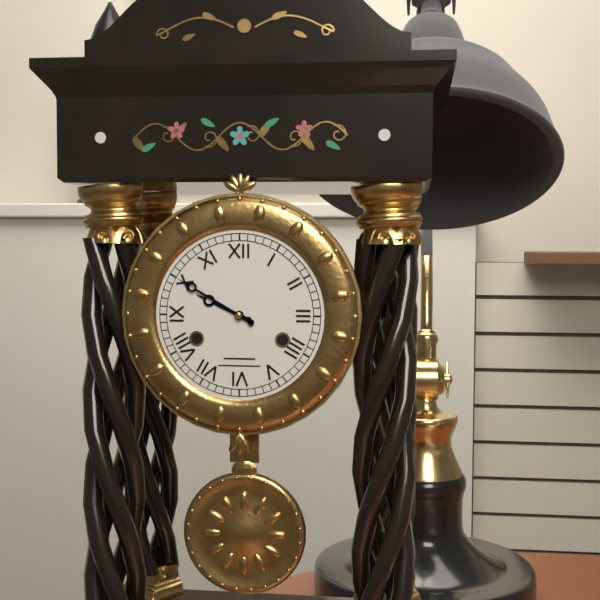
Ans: 9:50
